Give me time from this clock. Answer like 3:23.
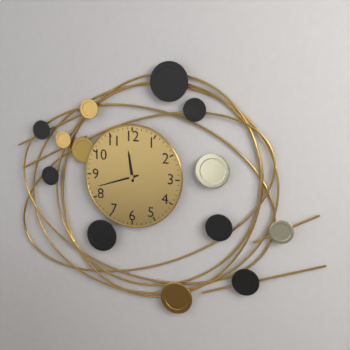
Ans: 11:42
